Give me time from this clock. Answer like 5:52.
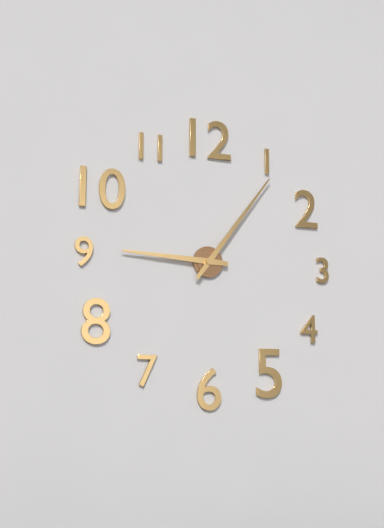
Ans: 9:06
